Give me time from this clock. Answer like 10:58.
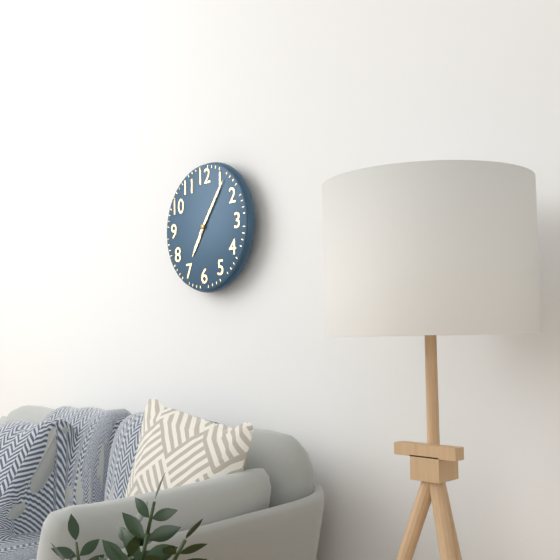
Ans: 7:06
